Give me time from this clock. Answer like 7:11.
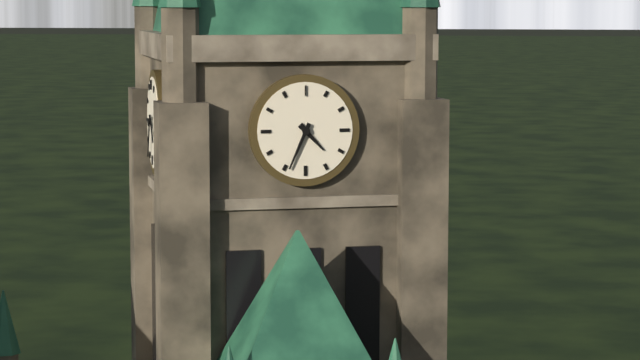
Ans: 4:34
